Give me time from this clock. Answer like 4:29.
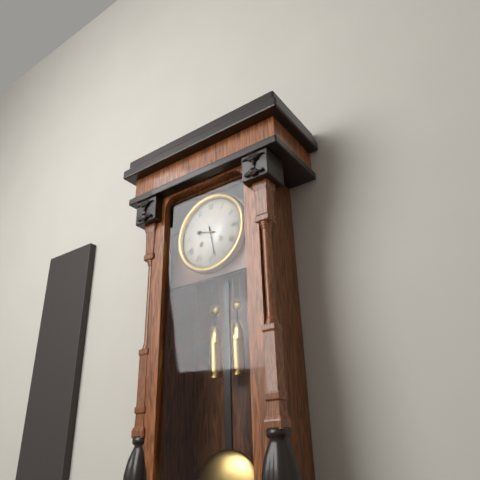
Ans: 9:28
